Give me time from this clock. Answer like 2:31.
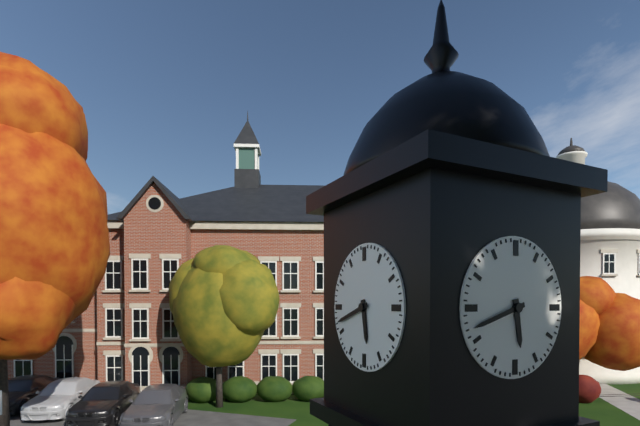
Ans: 5:42
